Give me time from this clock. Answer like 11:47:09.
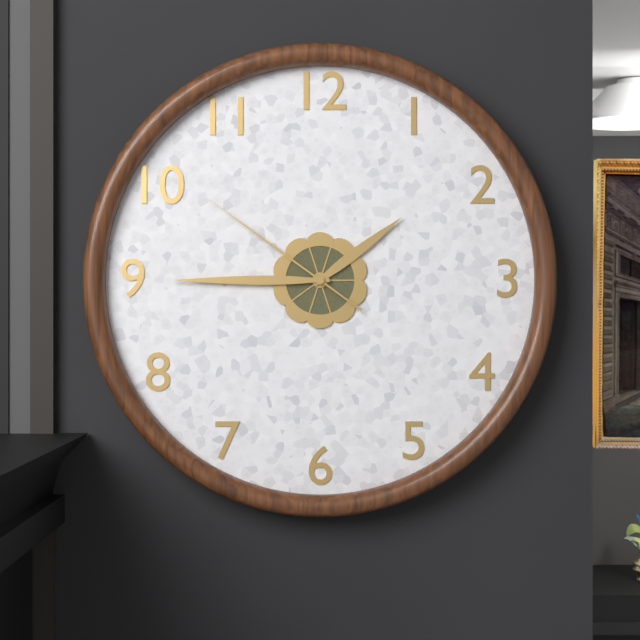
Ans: 1:45:51
